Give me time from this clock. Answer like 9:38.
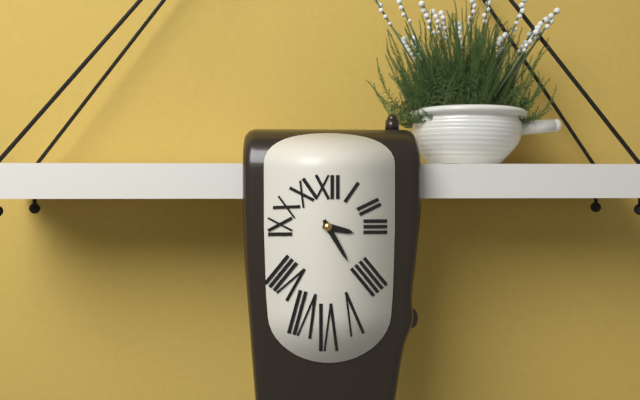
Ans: 3:25
